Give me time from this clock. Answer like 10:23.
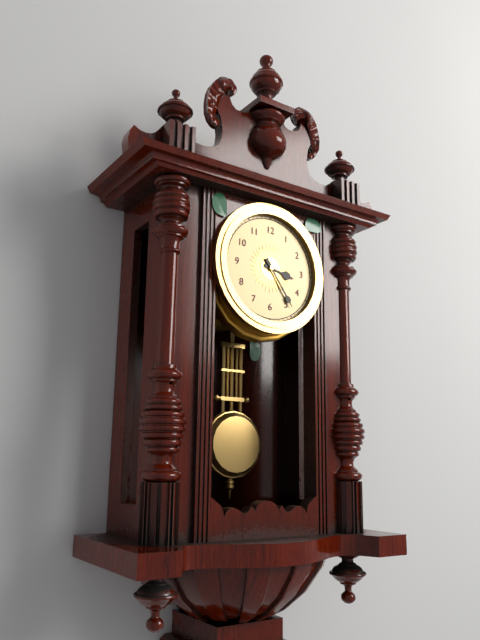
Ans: 3:24
